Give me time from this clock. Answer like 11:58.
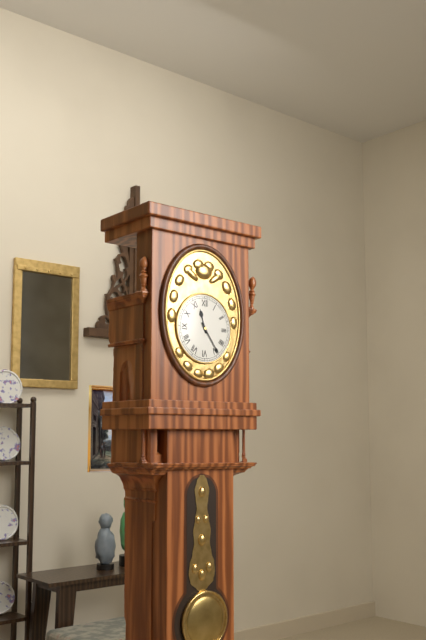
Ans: 11:24
